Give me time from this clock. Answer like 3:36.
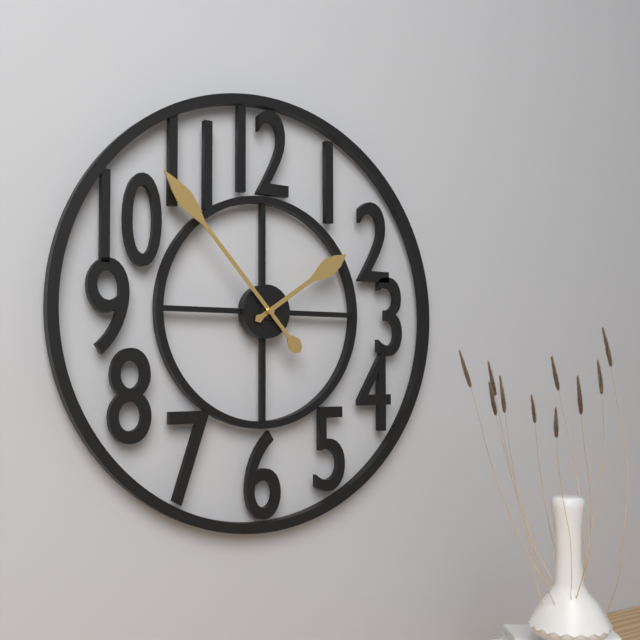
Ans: 1:53
